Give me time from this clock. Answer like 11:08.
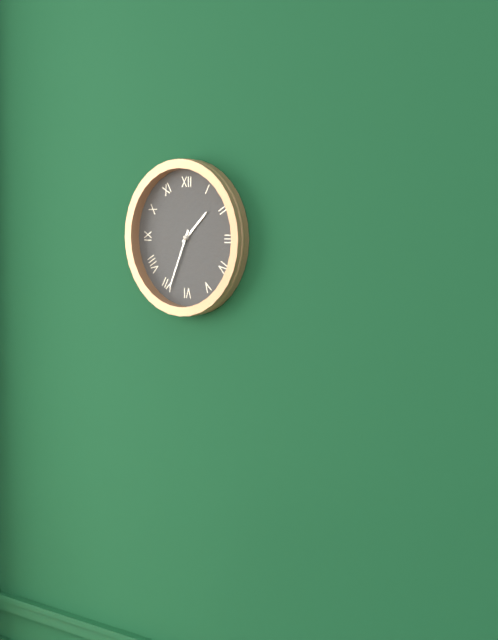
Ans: 1:34
